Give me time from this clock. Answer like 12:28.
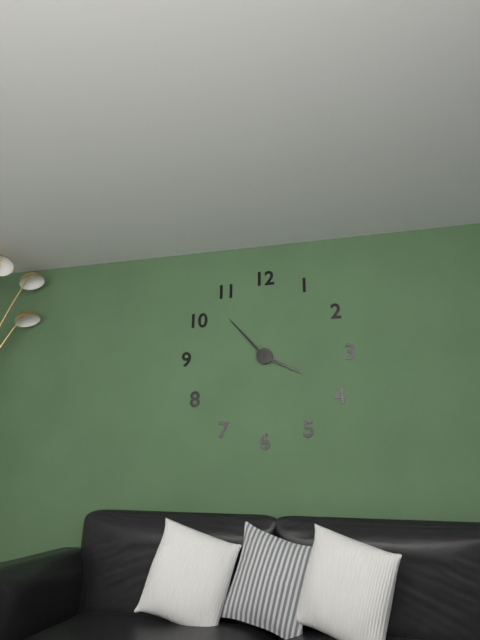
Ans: 3:53
